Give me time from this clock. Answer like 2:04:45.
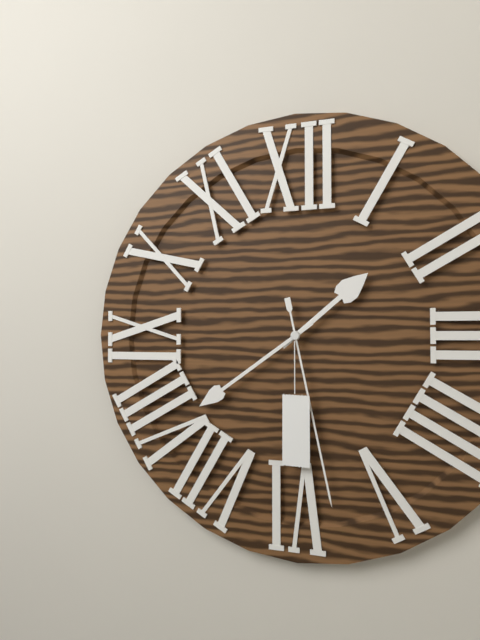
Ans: 1:39:28
